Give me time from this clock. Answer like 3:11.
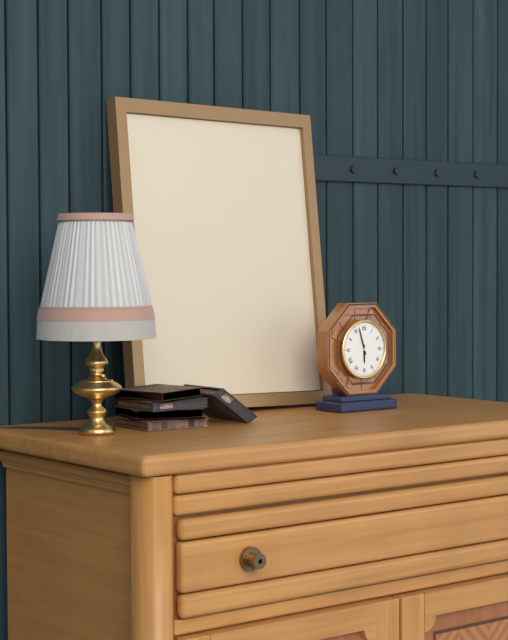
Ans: 5:57
